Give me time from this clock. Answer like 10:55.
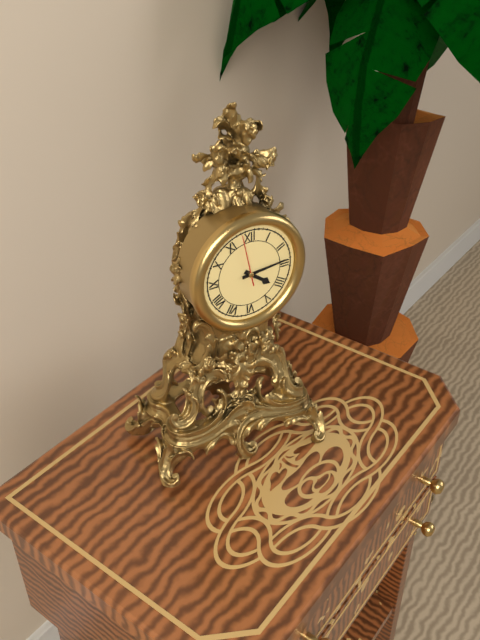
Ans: 4:14
